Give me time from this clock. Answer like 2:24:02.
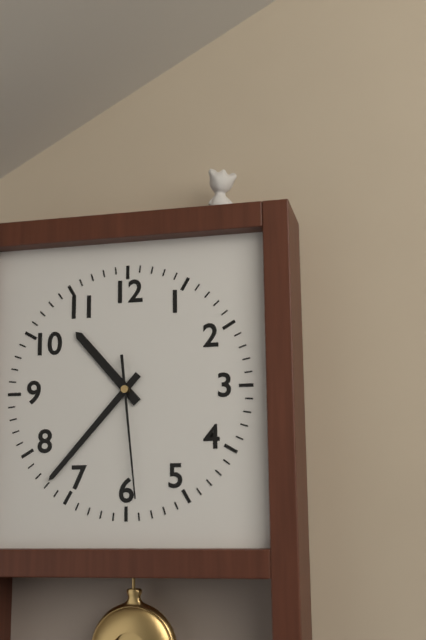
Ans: 10:37:29
